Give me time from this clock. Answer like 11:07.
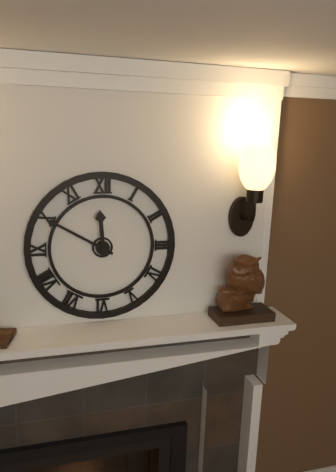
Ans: 11:50
